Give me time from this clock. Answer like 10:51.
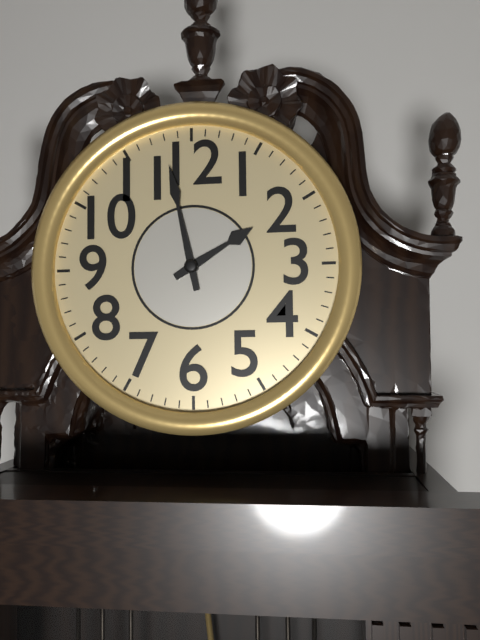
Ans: 1:58
